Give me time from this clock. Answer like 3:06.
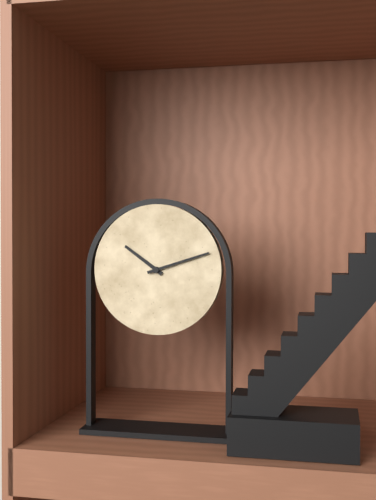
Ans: 10:12
